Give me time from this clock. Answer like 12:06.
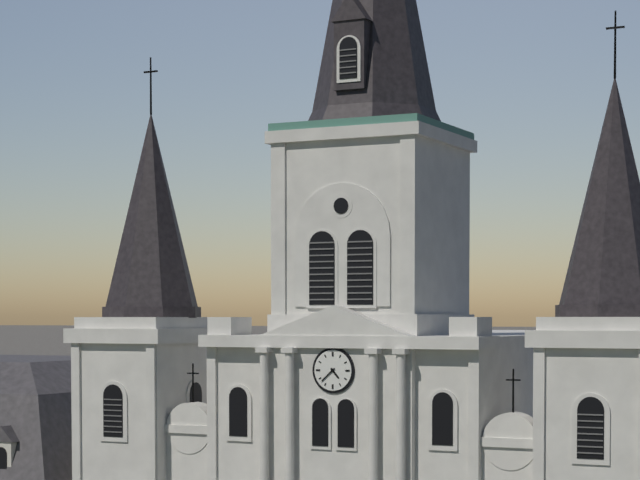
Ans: 4:38
